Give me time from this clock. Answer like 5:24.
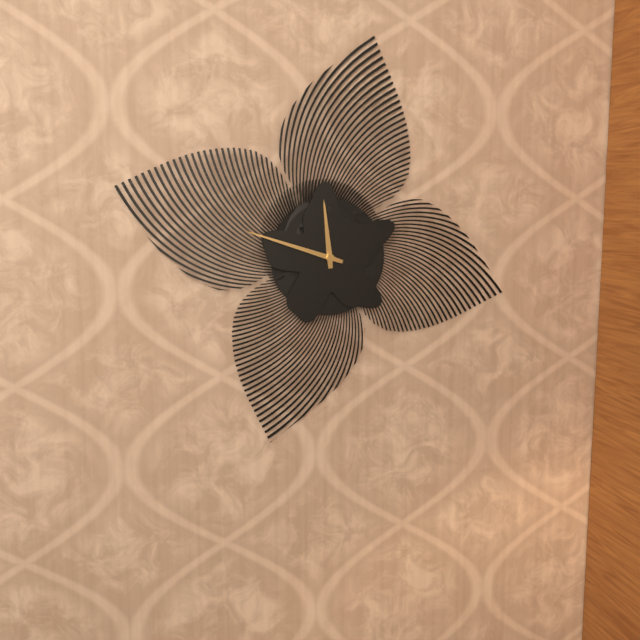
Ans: 11:48
